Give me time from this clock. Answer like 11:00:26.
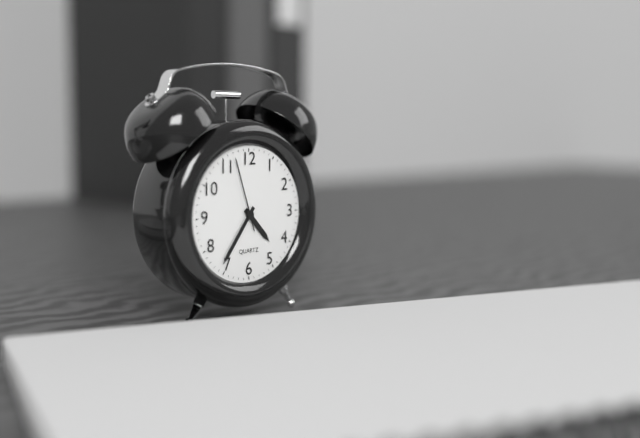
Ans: 4:36:57
